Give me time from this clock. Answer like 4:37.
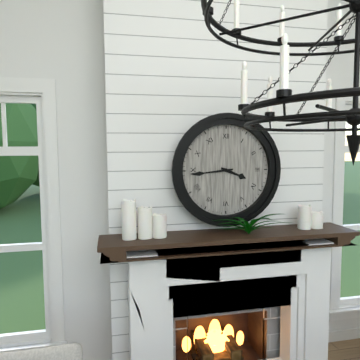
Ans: 3:44
